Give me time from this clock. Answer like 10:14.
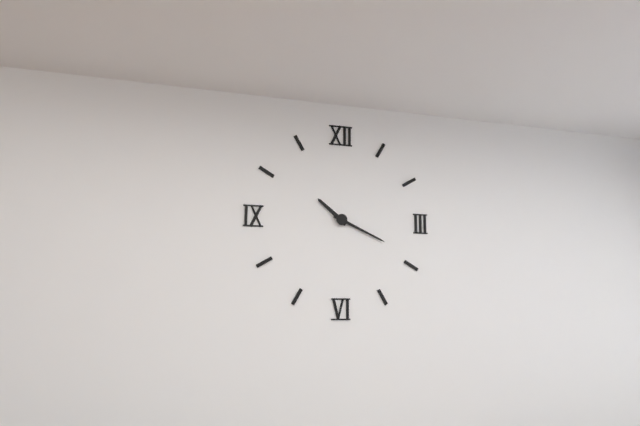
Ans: 10:19
